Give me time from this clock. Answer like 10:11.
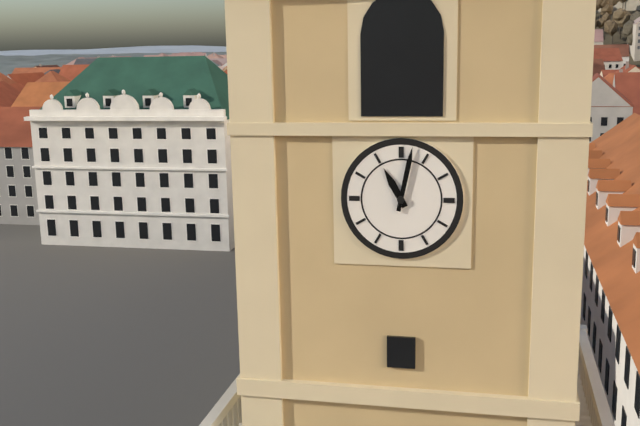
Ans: 11:02
